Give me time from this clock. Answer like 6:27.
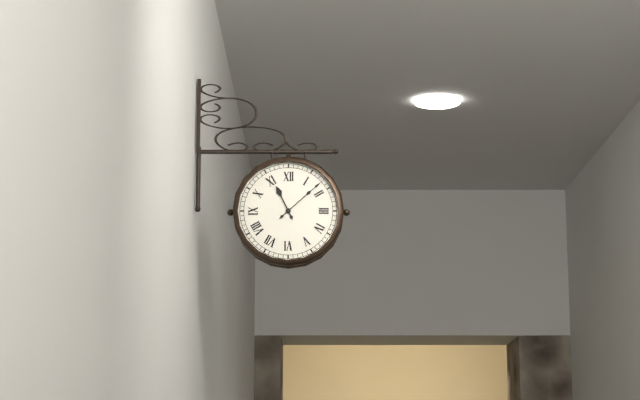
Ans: 11:08
